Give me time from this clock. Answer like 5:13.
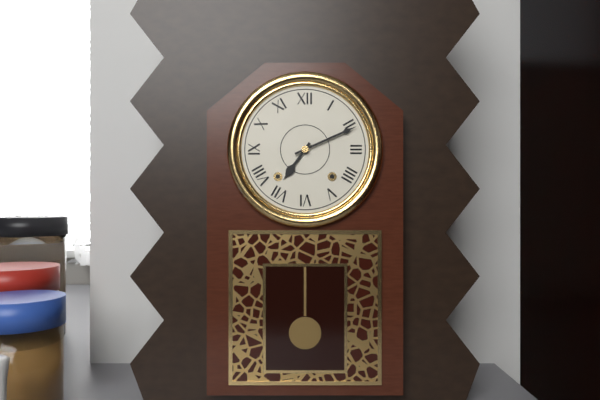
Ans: 7:11
